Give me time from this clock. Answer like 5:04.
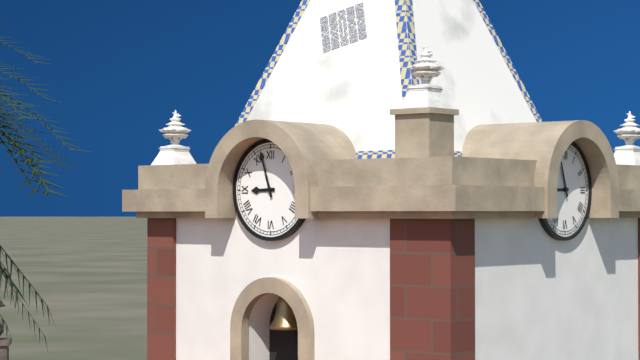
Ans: 8:57
